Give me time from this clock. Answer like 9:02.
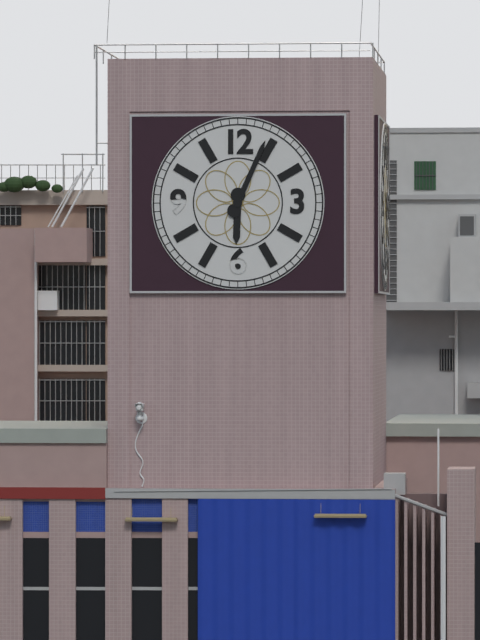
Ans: 6:04
